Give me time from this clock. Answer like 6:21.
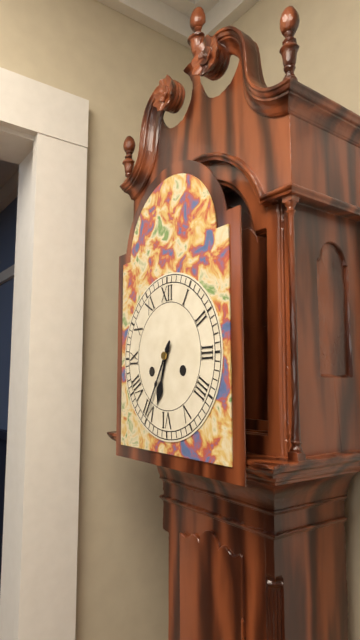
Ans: 6:35
